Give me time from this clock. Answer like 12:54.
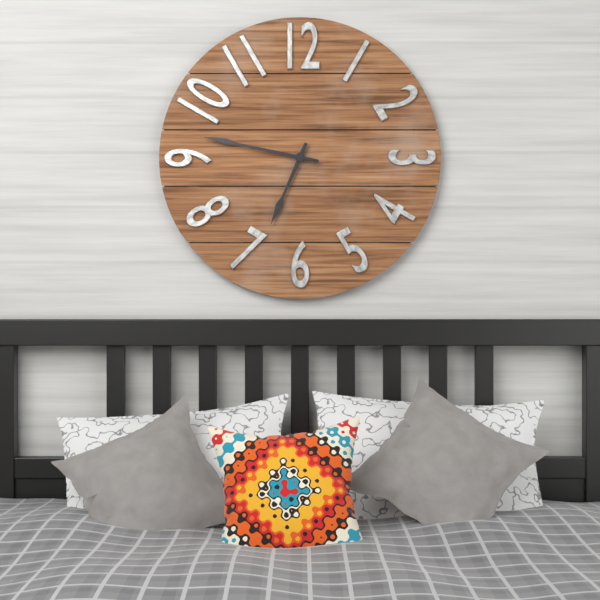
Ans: 6:47
